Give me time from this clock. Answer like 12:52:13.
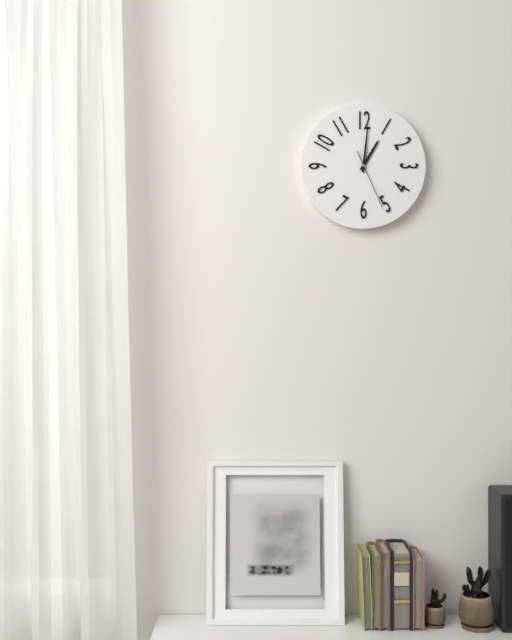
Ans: 1:01:26
